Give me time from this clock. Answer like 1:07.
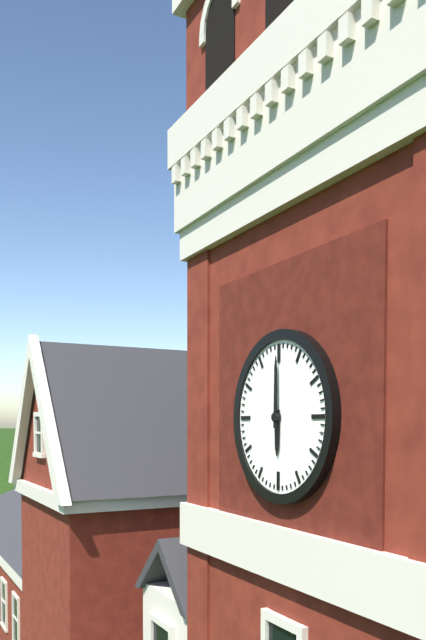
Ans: 6:00
